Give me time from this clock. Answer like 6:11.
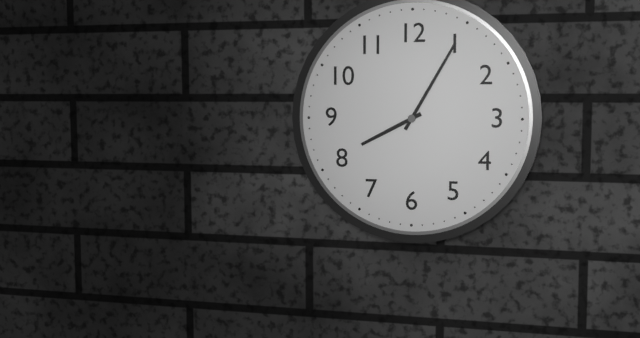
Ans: 8:05
